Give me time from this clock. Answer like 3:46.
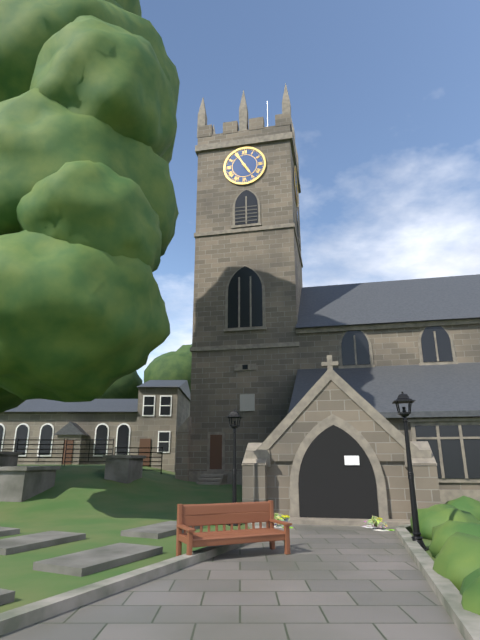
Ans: 4:55
